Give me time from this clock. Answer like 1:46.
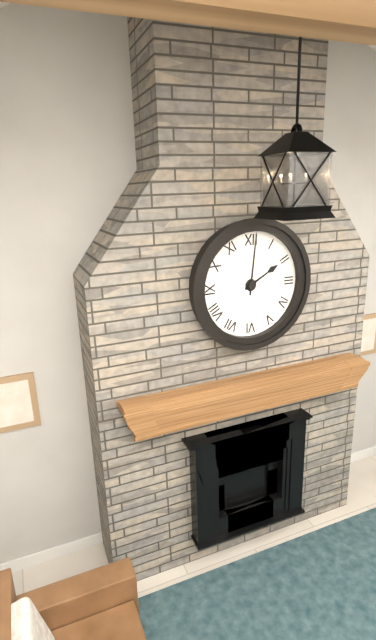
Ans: 2:01
